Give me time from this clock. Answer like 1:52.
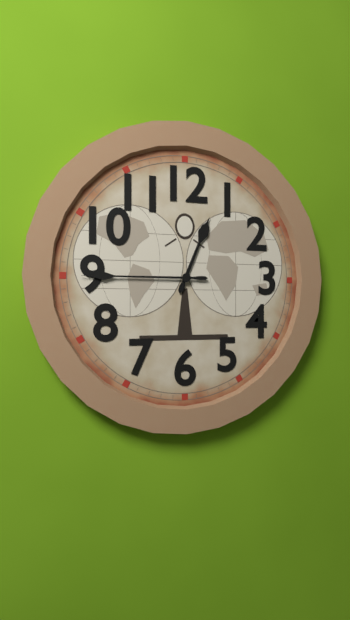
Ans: 12:45
